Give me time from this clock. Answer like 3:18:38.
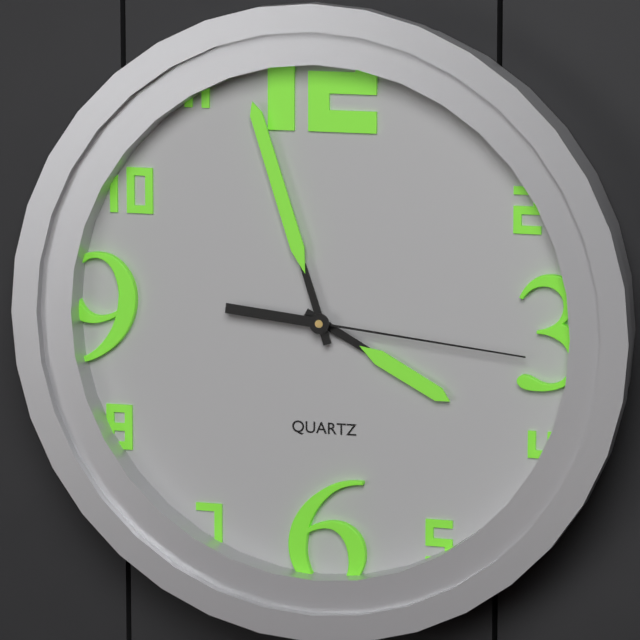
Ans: 3:57:16
